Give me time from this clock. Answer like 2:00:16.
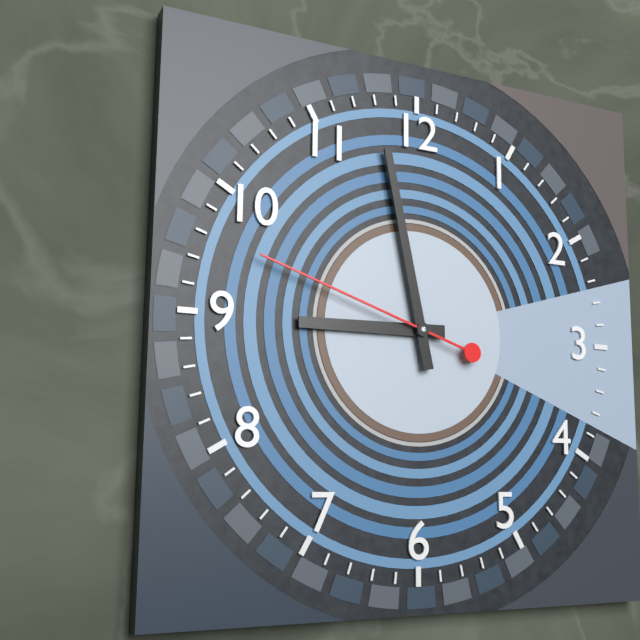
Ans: 8:58:48
